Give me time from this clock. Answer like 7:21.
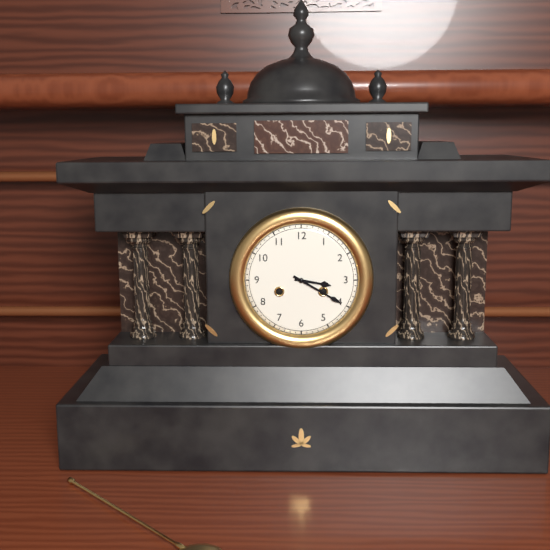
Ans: 3:20
